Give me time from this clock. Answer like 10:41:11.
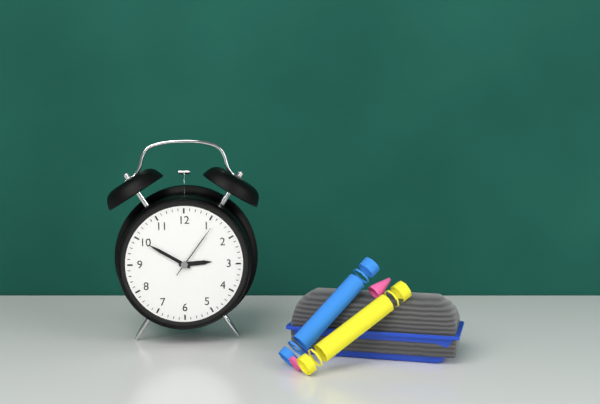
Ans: 2:50:06
